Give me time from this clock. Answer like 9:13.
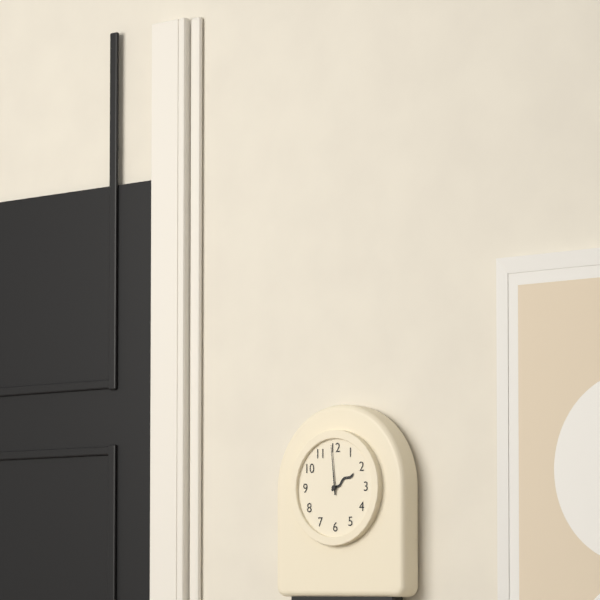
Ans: 1:59
